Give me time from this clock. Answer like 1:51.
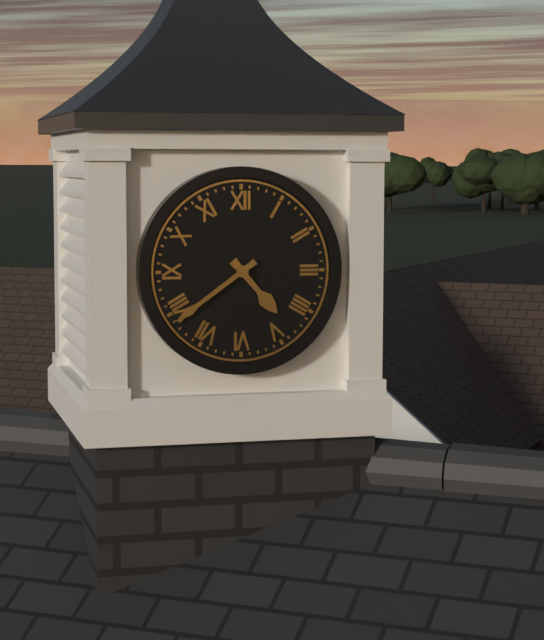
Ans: 4:39
